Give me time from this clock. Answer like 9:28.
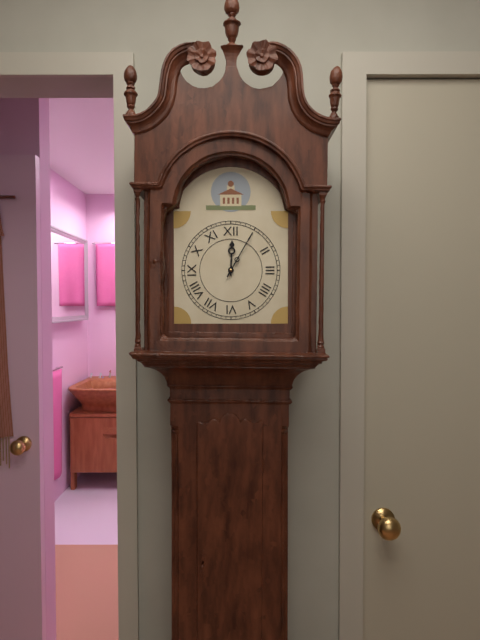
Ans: 12:05
